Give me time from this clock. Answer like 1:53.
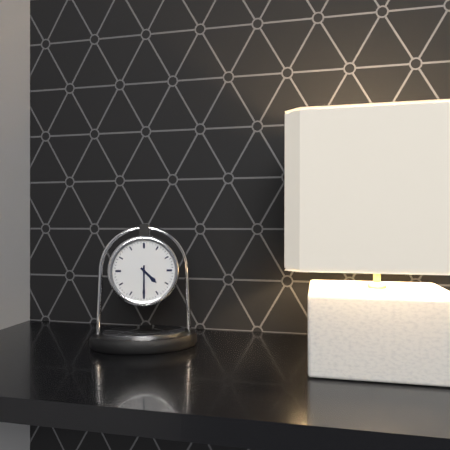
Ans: 4:30
